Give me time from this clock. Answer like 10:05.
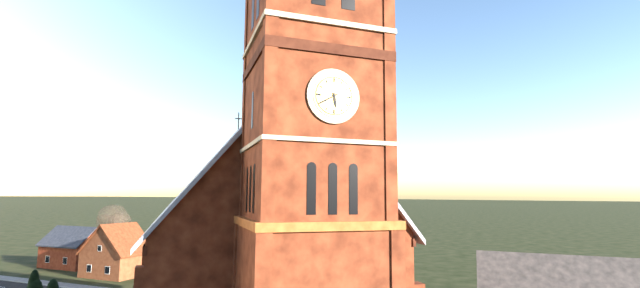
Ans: 5:40
